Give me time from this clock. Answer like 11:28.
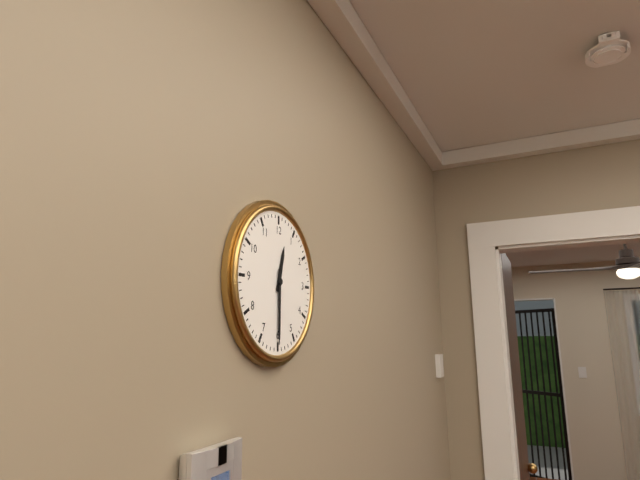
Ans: 12:30
